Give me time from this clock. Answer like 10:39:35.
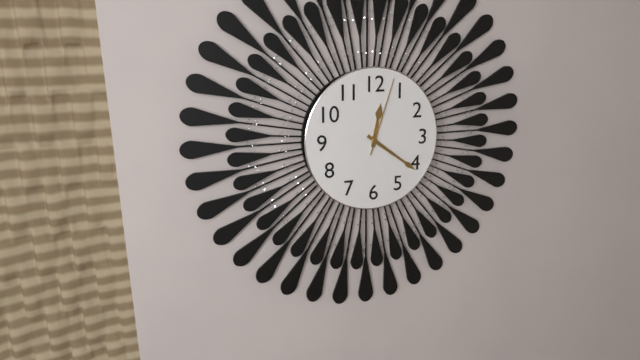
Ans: 12:21:03
